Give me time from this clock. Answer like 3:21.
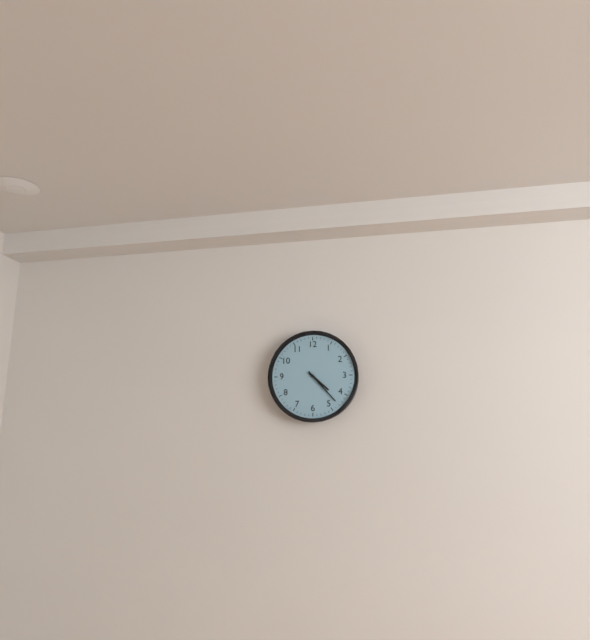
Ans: 4:23
